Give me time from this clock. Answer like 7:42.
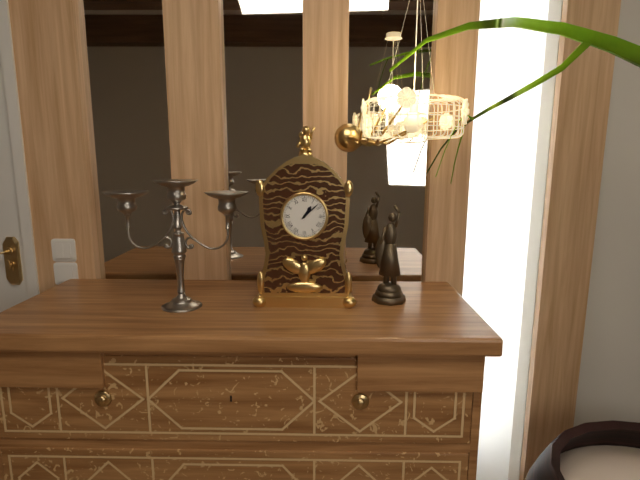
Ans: 1:08
